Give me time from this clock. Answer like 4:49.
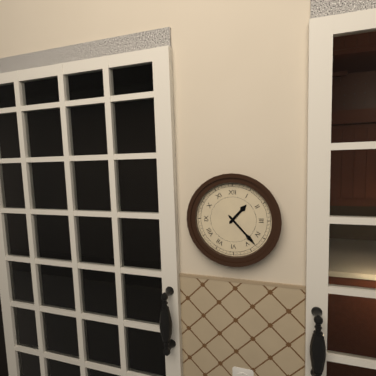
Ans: 1:23
